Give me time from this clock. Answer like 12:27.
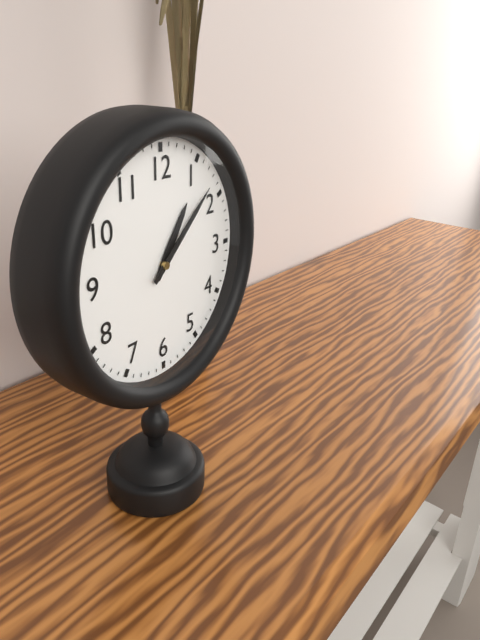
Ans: 1:08
